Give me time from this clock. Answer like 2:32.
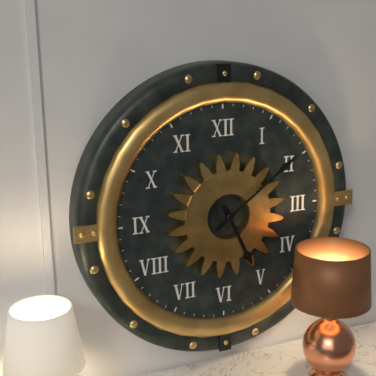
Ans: 5:09
